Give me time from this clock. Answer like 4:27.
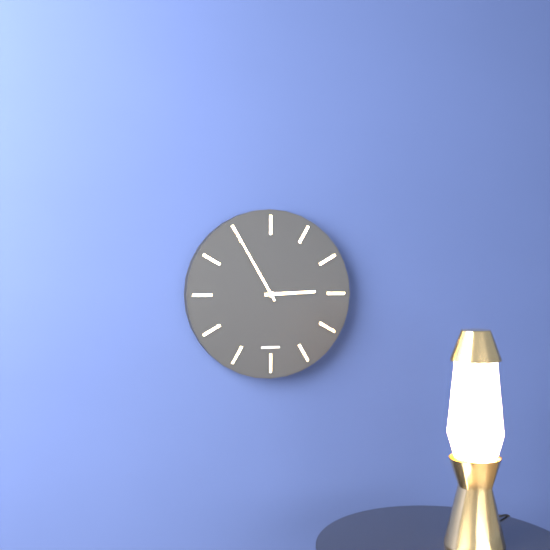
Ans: 2:55
